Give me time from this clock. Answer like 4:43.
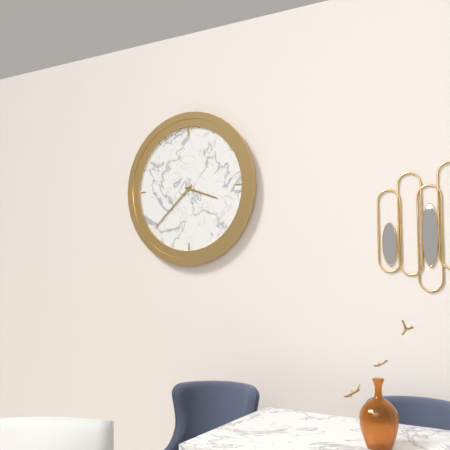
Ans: 3:38
